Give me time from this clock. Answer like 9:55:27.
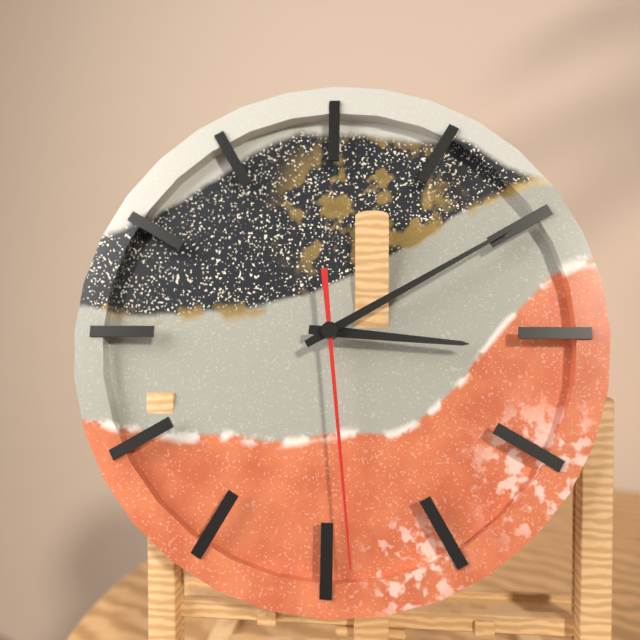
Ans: 3:10:29
